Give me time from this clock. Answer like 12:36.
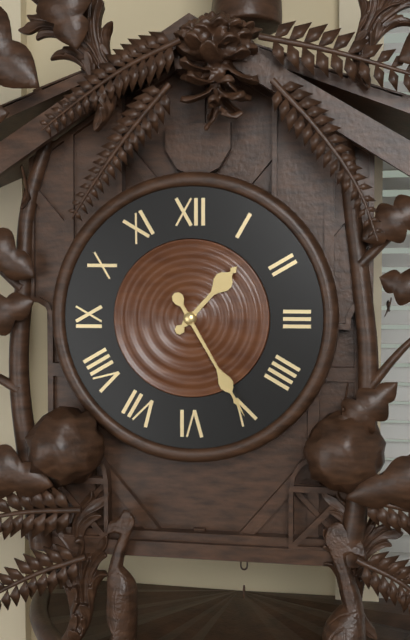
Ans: 1:25
